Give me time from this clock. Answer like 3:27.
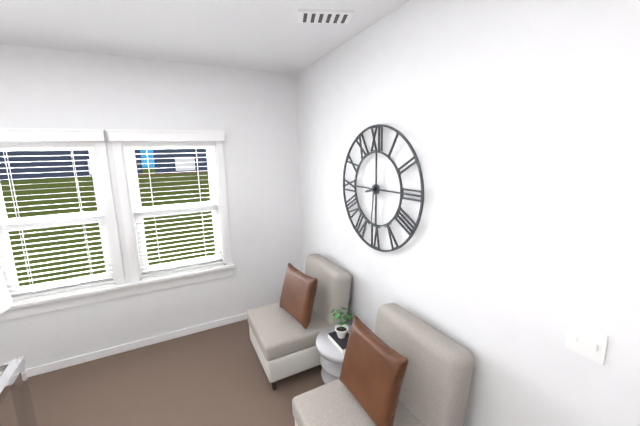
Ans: 8:31
